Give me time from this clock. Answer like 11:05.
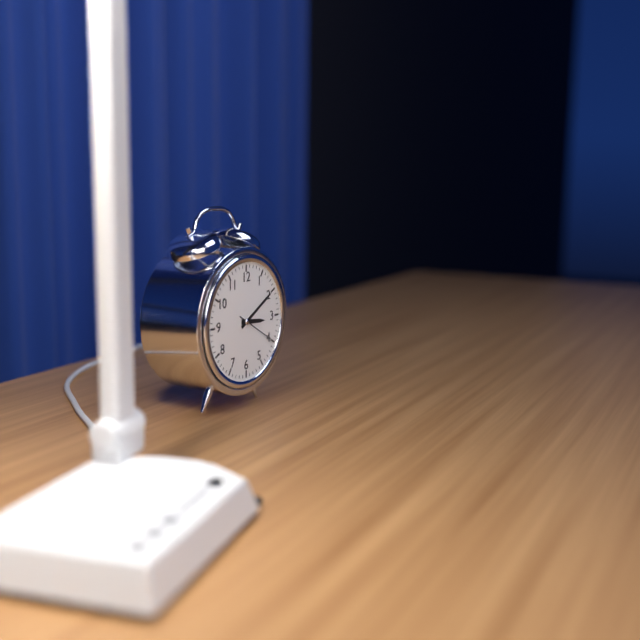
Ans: 3:10
